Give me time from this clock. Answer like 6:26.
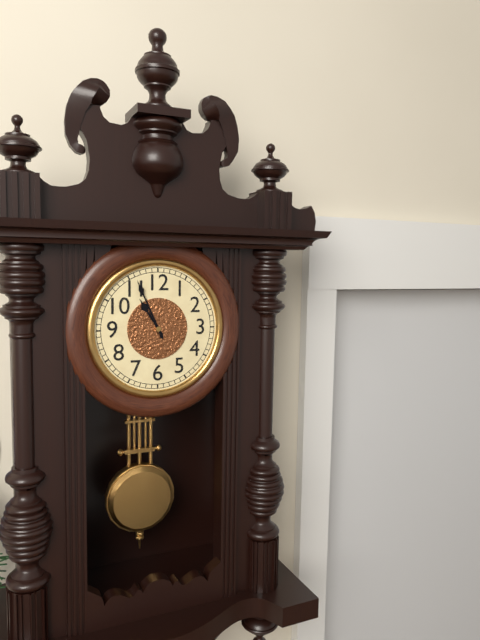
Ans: 10:56
